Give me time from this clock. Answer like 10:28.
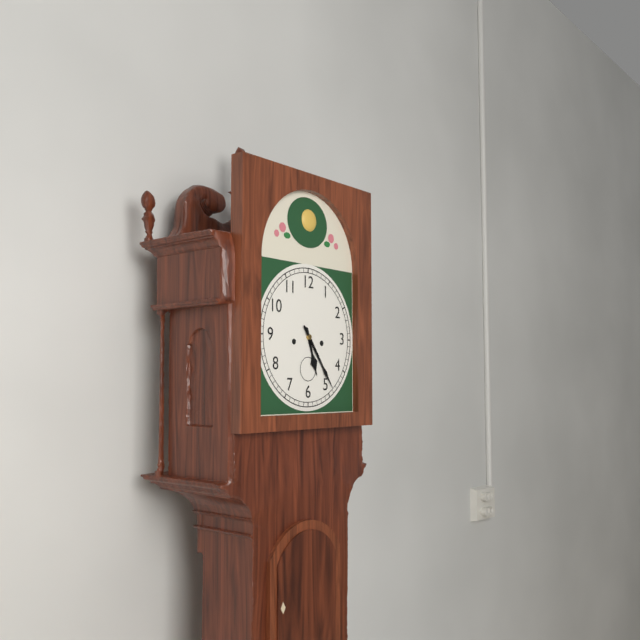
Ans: 5:24
